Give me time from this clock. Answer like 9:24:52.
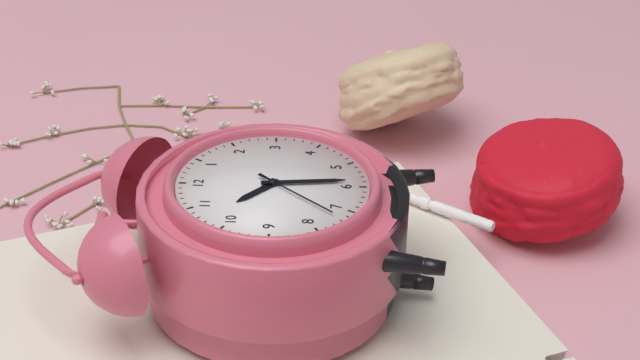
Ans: 10:29:37
